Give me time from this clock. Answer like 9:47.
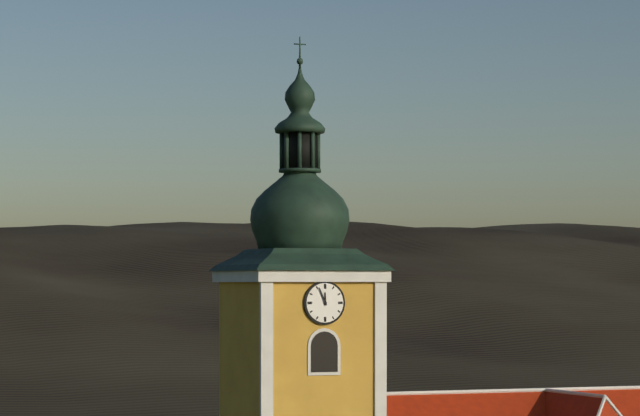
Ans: 11:56
